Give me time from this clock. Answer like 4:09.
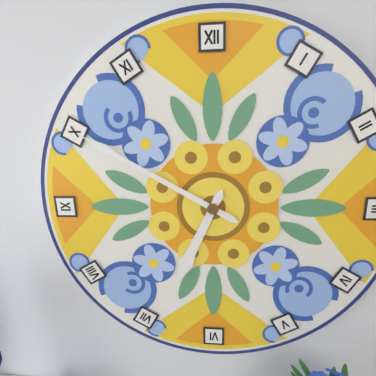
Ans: 6:50
